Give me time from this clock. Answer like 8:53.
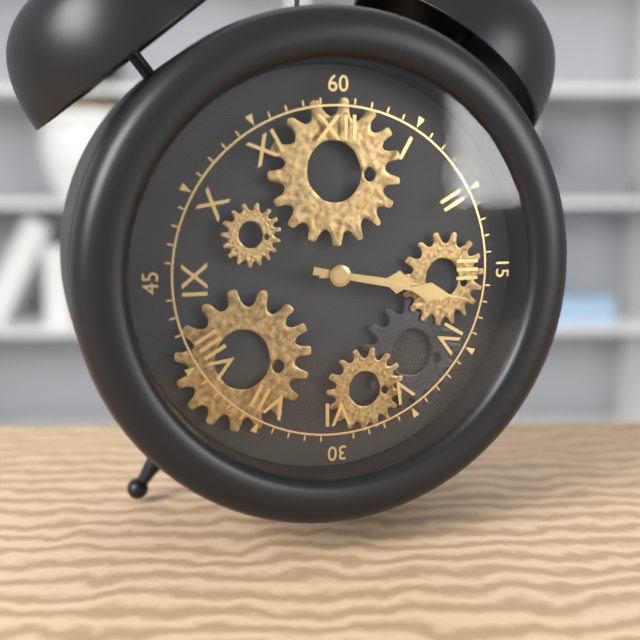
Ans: 3:17
